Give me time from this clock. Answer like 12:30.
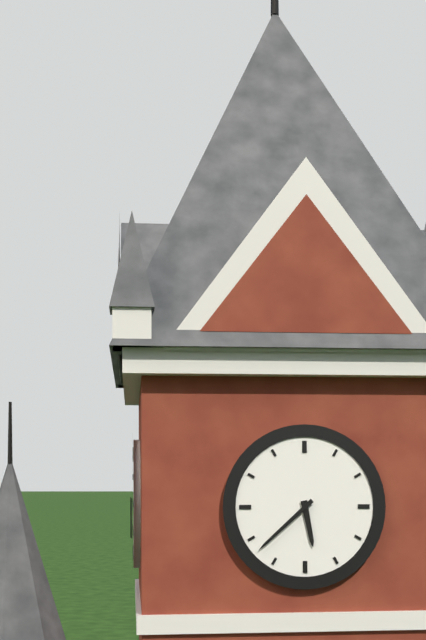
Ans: 5:38
